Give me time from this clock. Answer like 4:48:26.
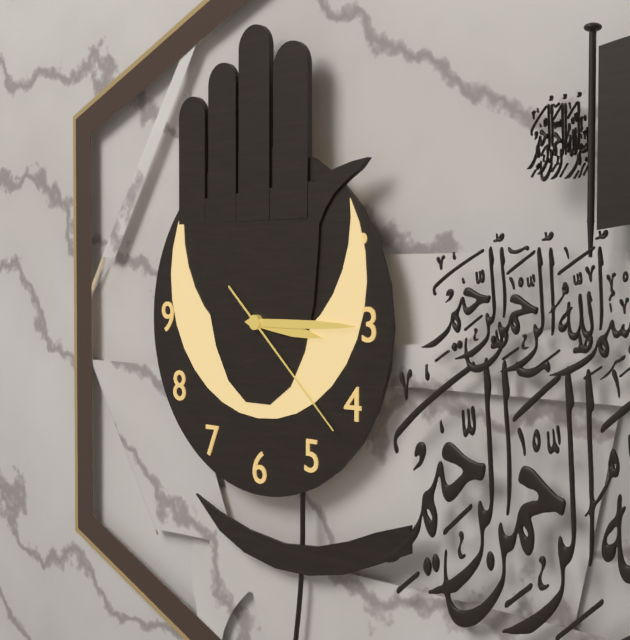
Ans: 3:15:22
